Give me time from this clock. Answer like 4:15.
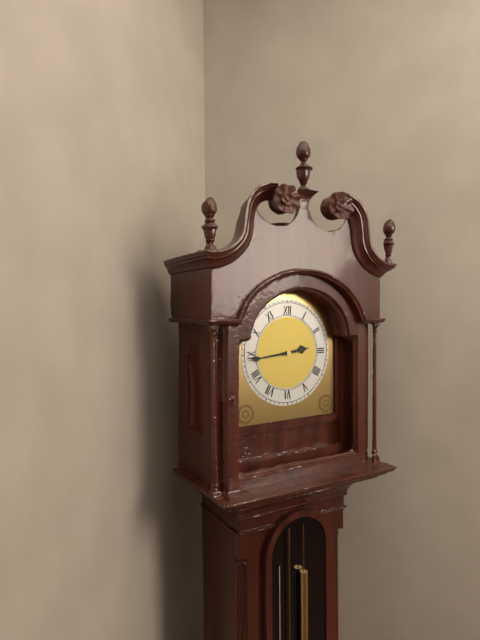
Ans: 2:44
